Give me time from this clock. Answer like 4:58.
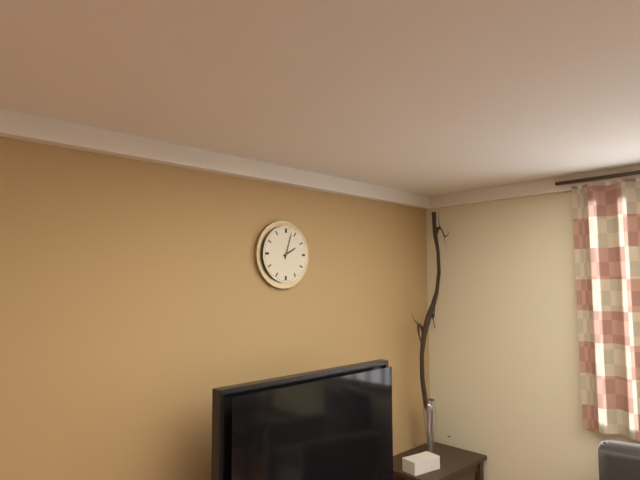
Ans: 2:03
